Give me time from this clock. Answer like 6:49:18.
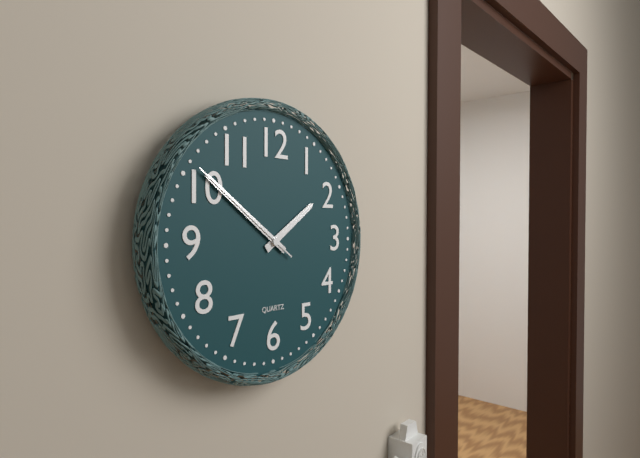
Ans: 1:51:51
